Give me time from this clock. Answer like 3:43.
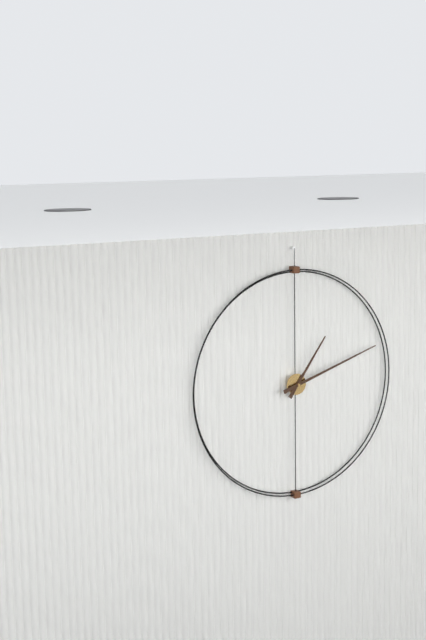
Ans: 1:12
